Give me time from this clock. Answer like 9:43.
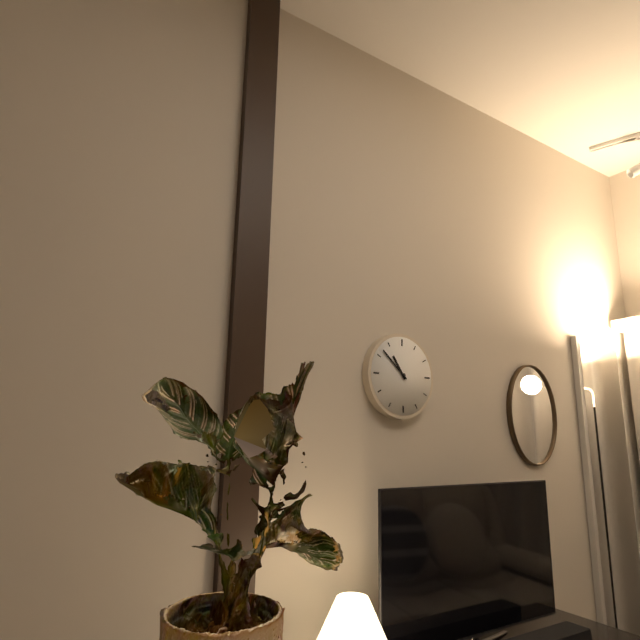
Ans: 10:52
